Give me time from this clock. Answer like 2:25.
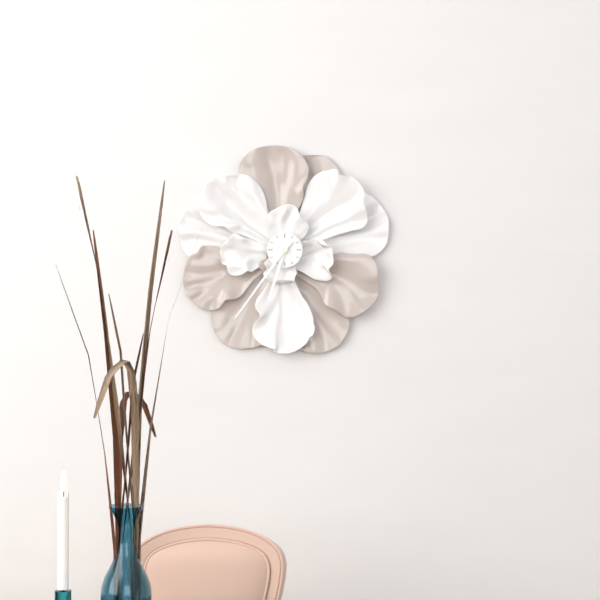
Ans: 6:36
